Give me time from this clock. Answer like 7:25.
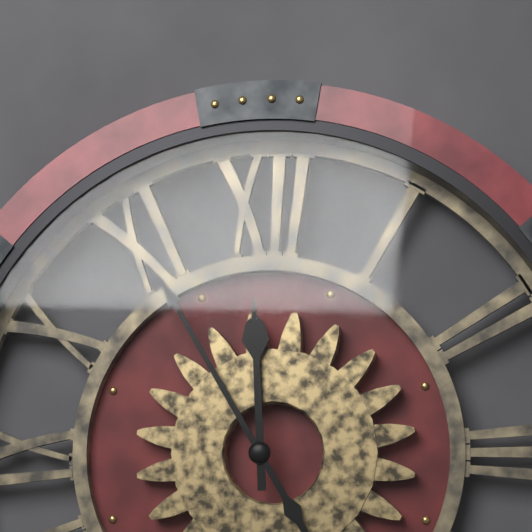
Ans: 11:55
